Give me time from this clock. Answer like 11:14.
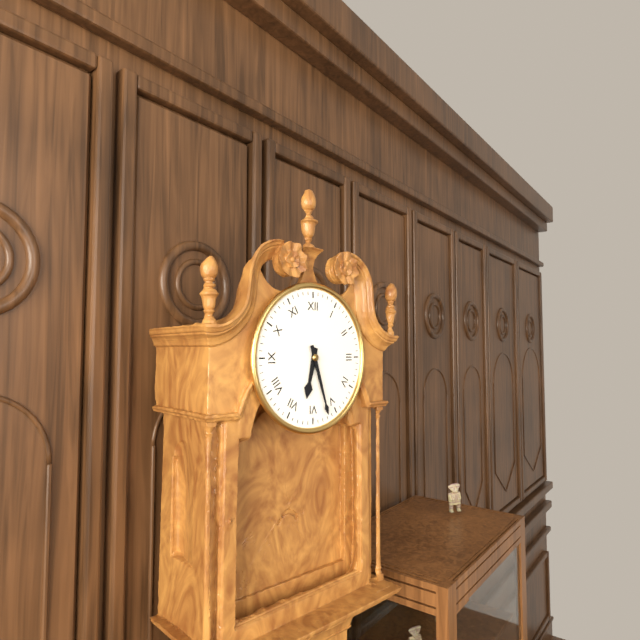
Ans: 6:27
